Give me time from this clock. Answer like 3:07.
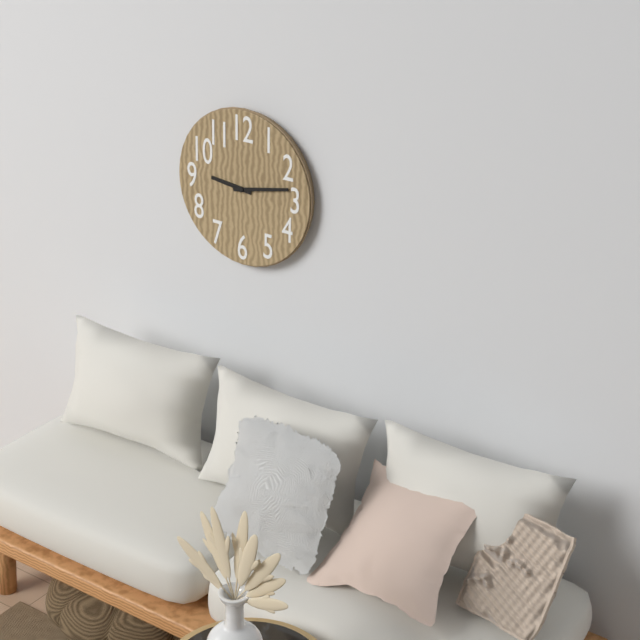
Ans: 9:13
